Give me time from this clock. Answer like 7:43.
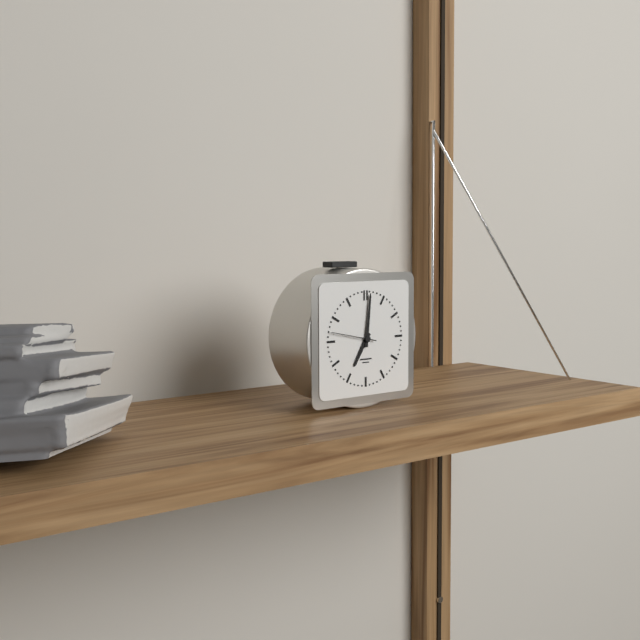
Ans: 7:01
